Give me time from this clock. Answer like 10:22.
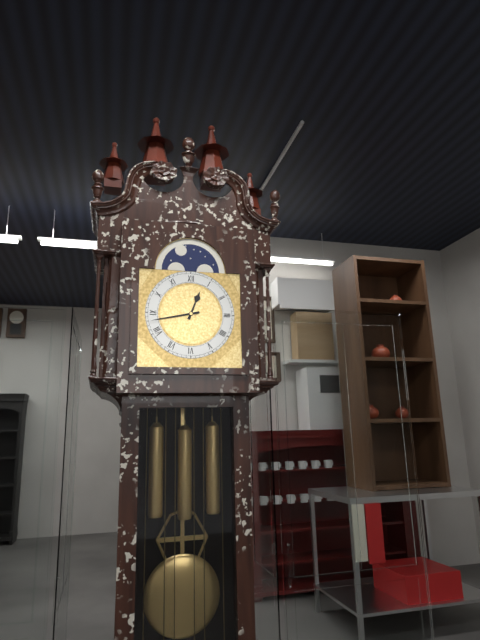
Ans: 12:43
